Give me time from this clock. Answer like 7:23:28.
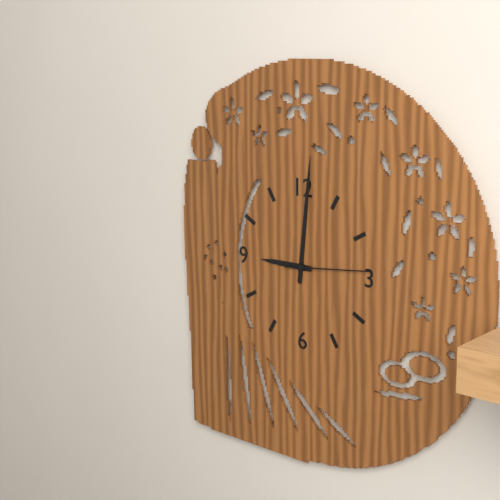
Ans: 9:01:14
